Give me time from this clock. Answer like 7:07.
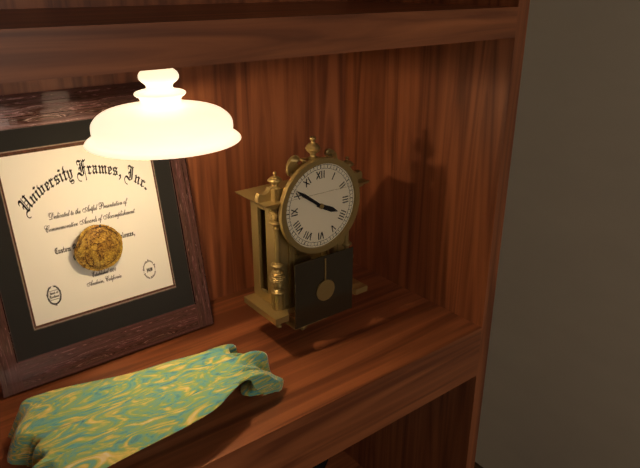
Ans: 3:51
